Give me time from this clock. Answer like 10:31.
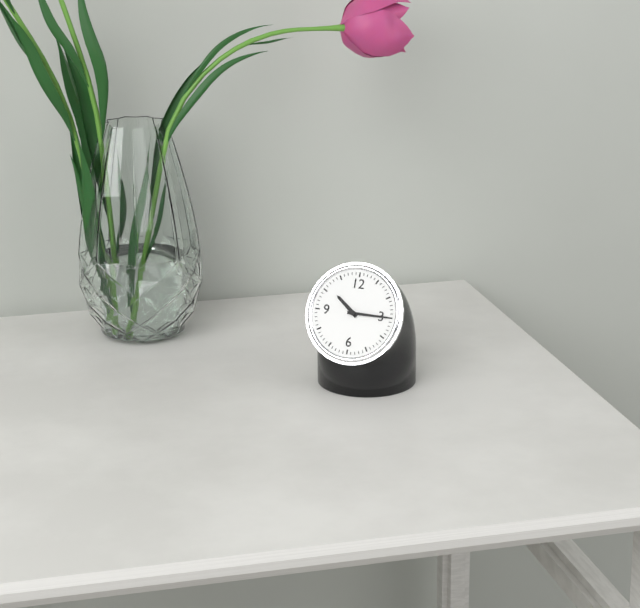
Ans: 10:15
